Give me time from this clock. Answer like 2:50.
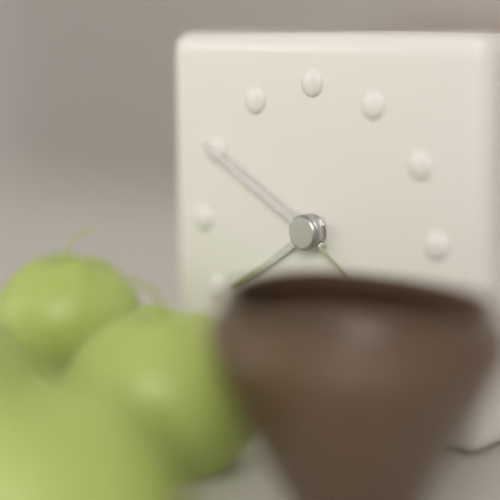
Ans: 7:50
